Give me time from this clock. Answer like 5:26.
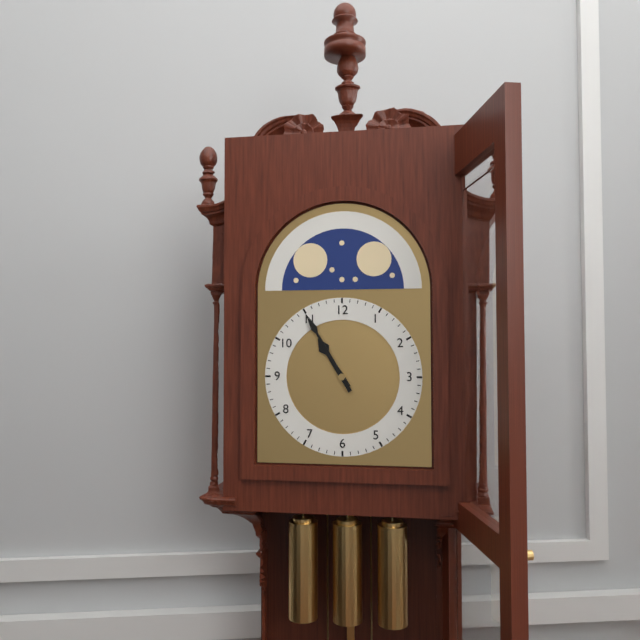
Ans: 10:55
